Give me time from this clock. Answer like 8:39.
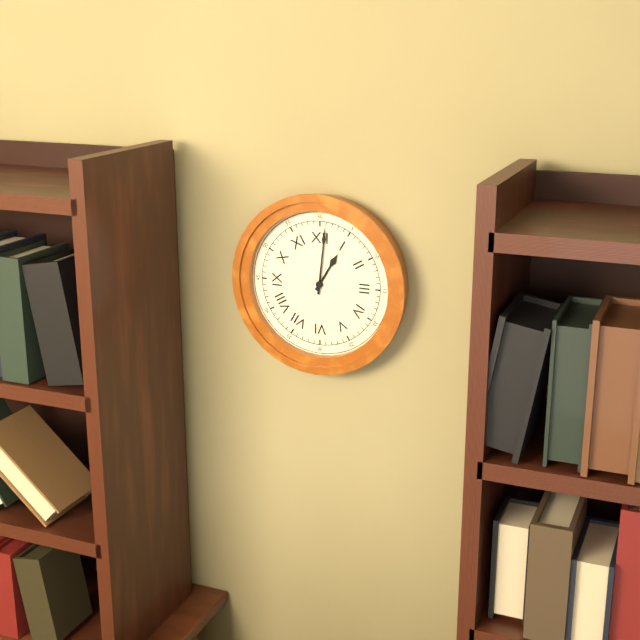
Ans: 1:01
